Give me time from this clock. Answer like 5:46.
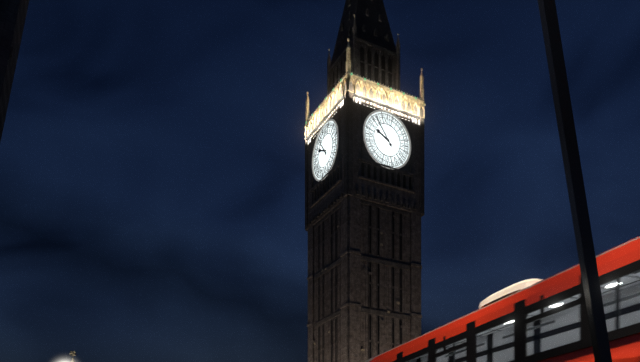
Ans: 9:54
